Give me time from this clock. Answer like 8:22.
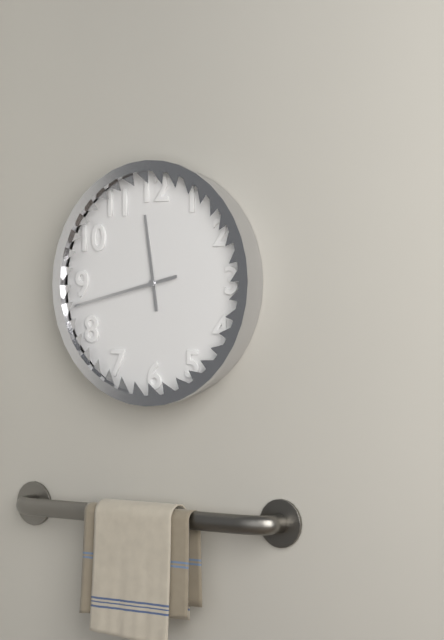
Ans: 11:43
